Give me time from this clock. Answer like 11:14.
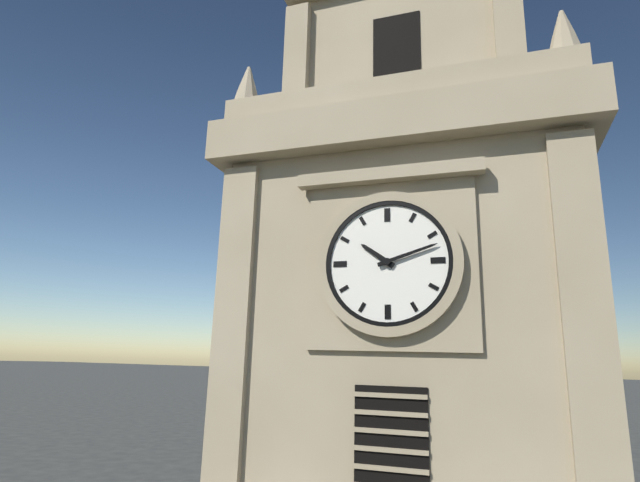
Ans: 10:12
